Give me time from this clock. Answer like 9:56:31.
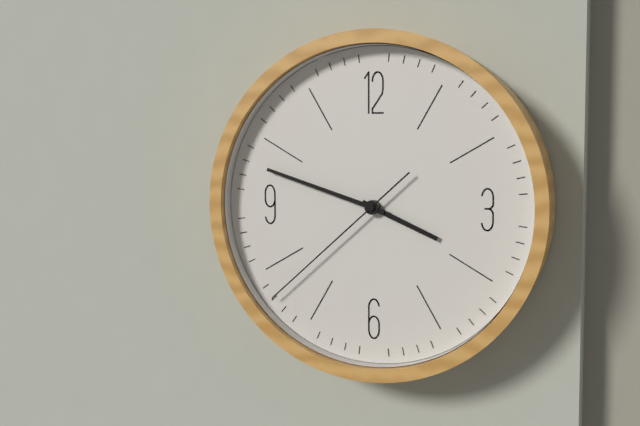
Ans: 3:48:38
